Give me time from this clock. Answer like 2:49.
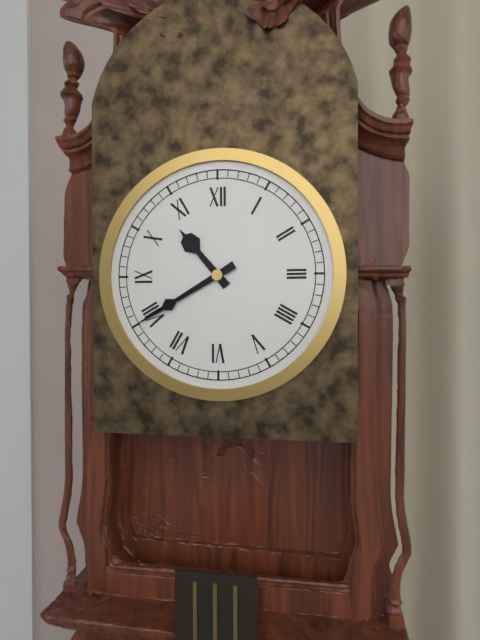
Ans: 10:40
